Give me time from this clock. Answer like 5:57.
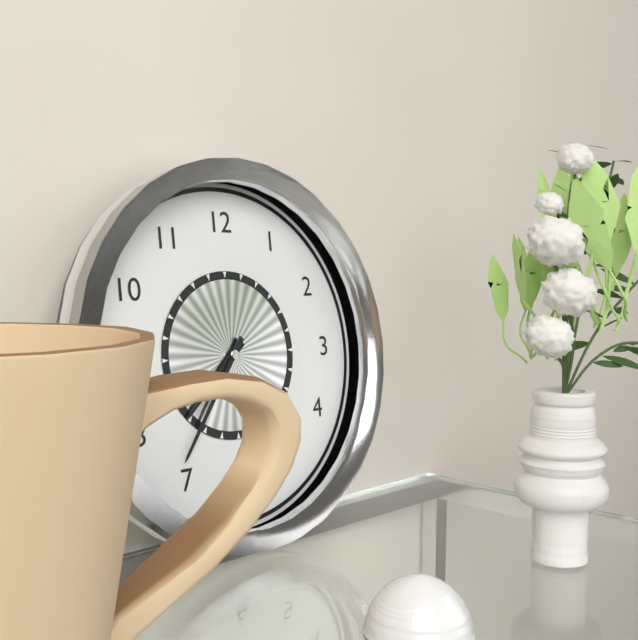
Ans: 7:36
